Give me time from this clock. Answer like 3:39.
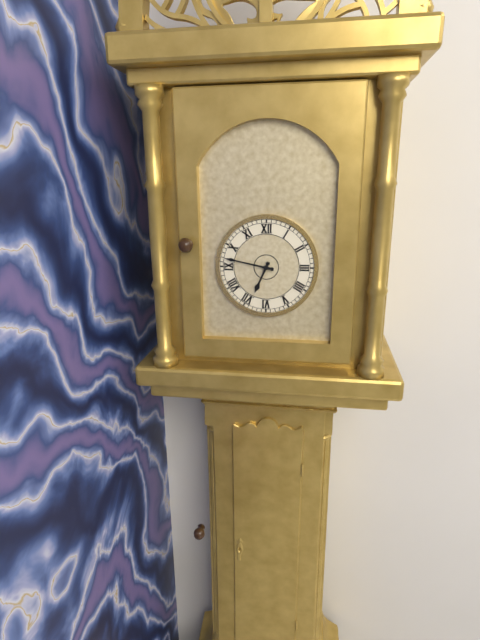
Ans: 6:47
